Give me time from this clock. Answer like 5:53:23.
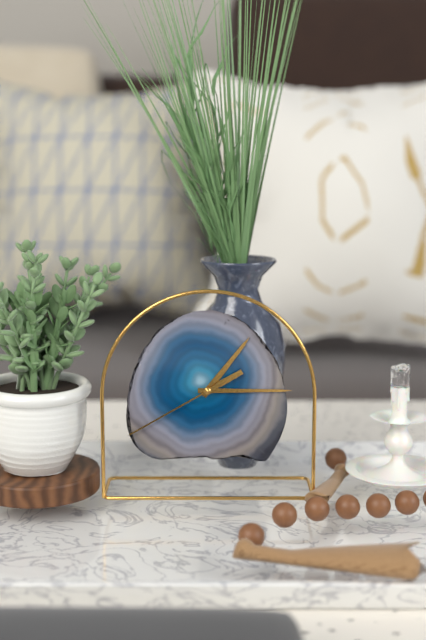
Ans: 1:15:40
